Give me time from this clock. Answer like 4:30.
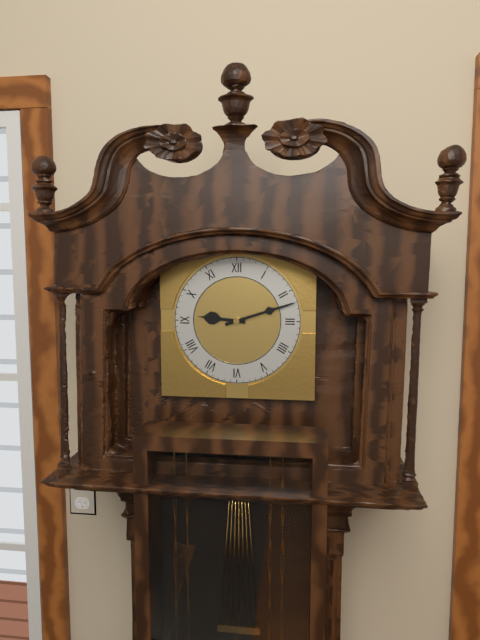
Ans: 9:12
